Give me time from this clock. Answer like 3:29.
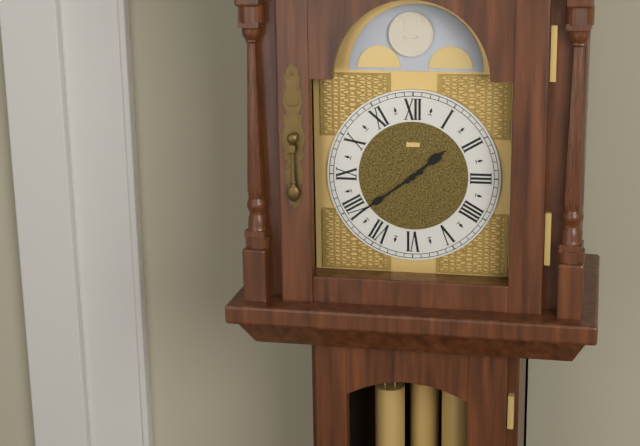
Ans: 1:39
